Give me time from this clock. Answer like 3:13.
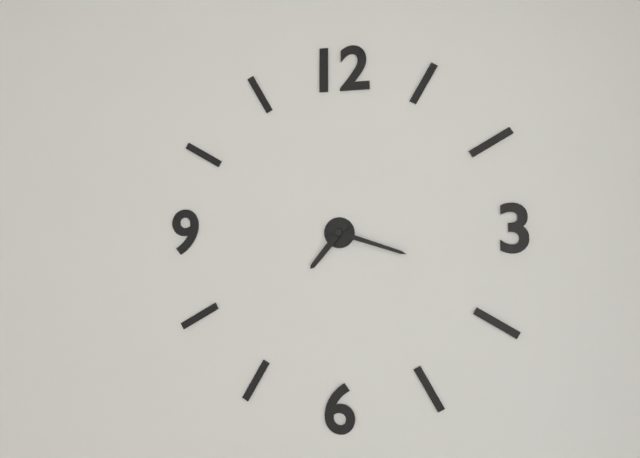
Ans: 7:18
